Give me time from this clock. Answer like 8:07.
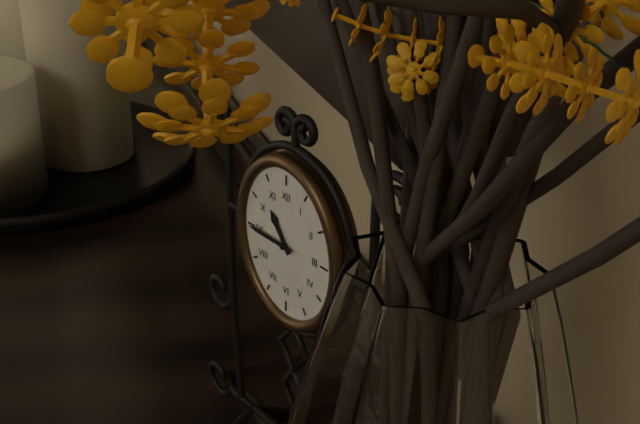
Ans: 10:45
